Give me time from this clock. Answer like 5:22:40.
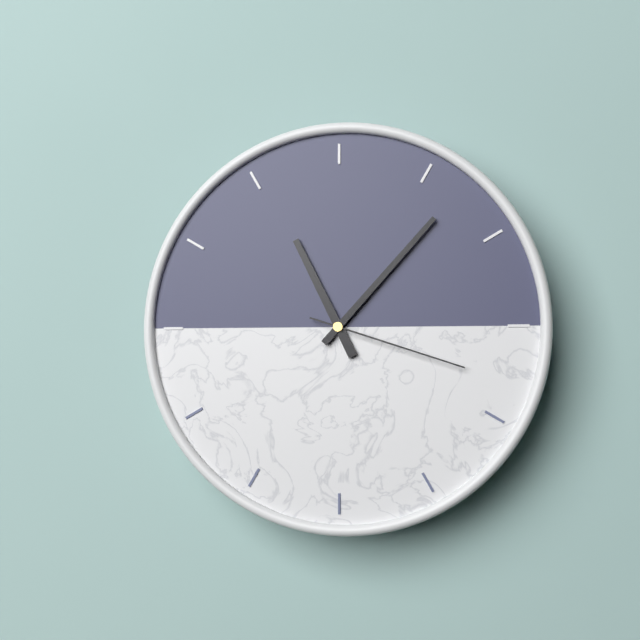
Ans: 11:07:18
